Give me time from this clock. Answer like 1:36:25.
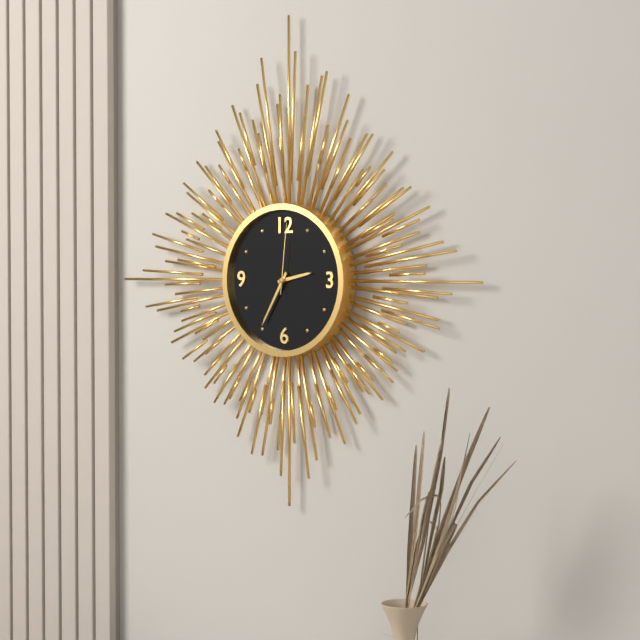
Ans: 2:35:01
